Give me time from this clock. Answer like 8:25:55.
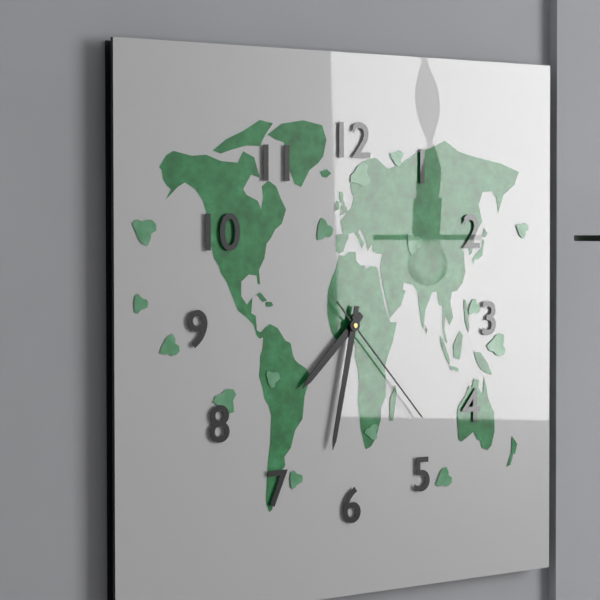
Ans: 7:32:23
